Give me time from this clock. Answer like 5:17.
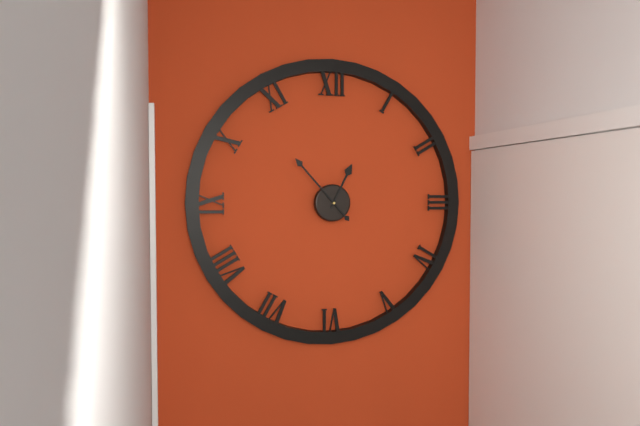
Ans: 12:53
